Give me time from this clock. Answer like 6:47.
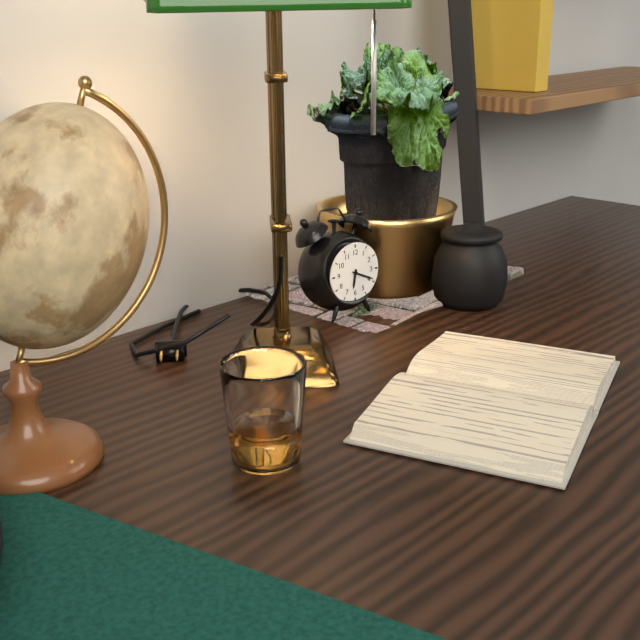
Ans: 6:19
